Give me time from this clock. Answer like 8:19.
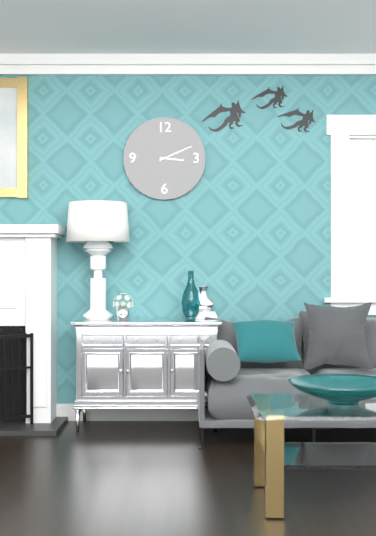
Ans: 3:11
